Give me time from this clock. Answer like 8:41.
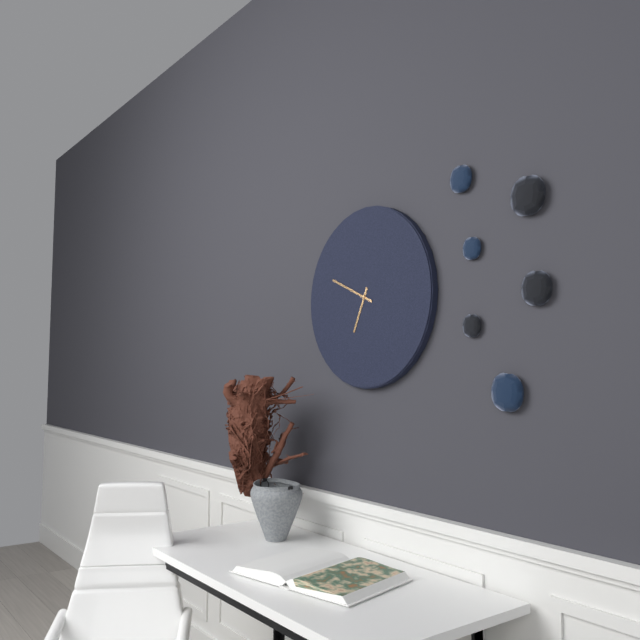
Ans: 6:49
